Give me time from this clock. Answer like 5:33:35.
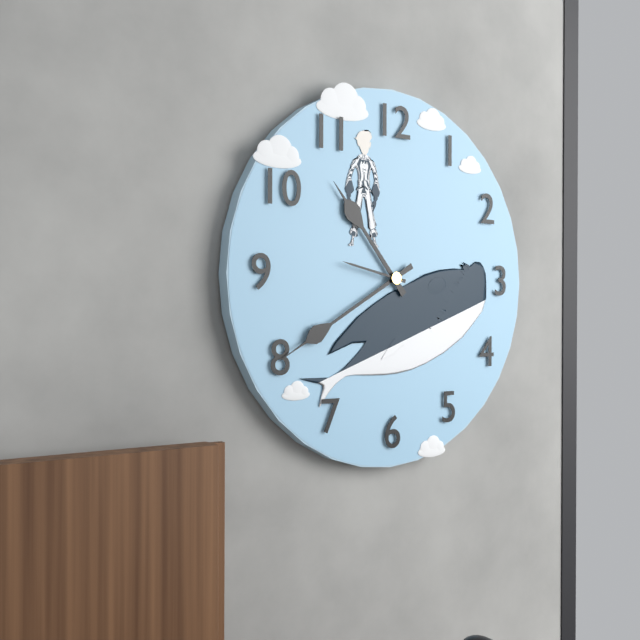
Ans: 10:40:47
